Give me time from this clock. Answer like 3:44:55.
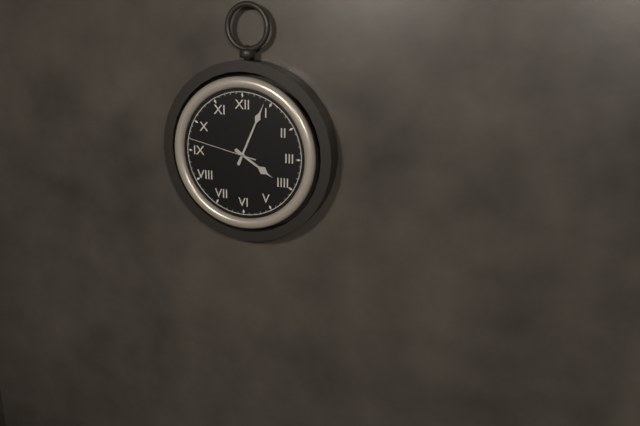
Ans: 4:04:47
